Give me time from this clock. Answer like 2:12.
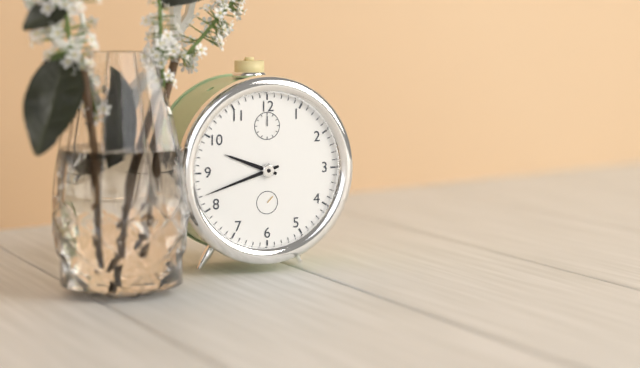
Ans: 9:42
